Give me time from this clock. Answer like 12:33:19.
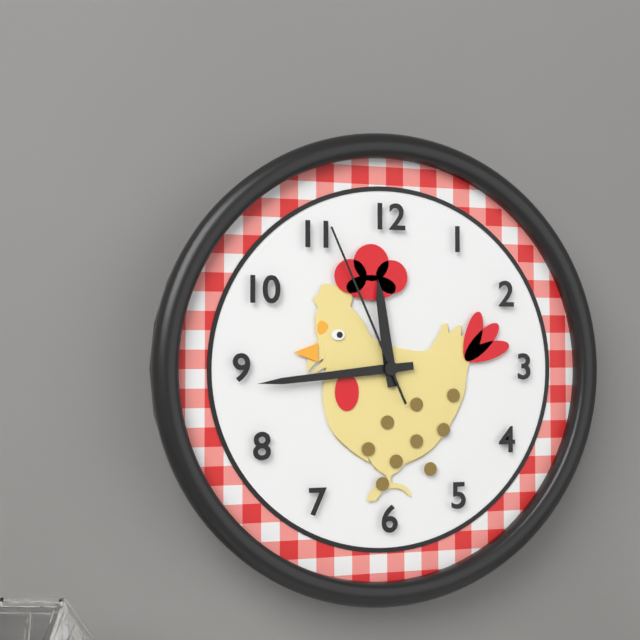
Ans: 11:44:56
